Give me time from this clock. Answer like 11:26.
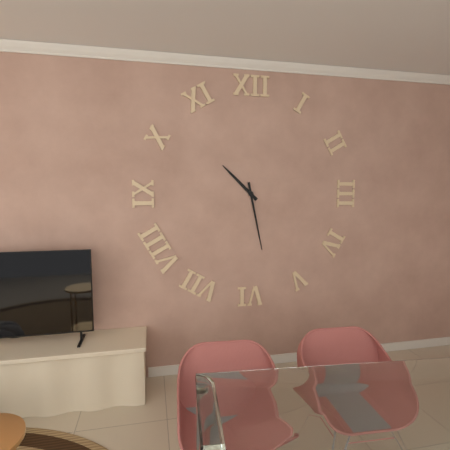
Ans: 10:28
